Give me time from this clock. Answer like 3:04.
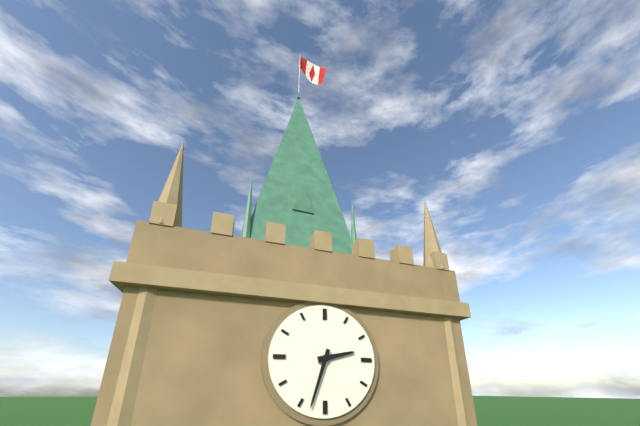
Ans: 2:33
